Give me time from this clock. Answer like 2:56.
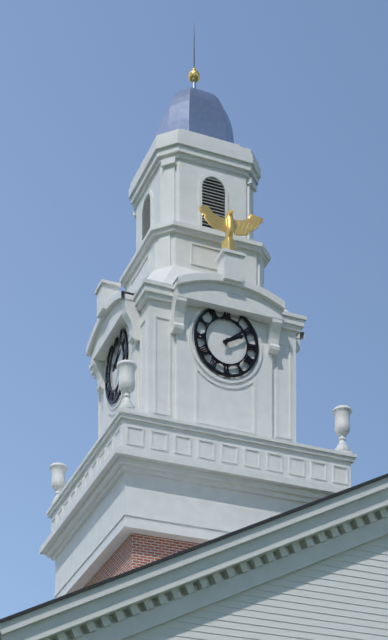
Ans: 2:09
